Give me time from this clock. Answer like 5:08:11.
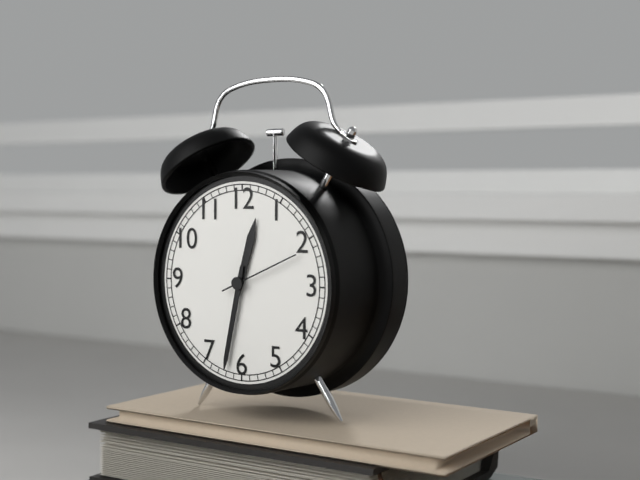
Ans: 12:32:11
